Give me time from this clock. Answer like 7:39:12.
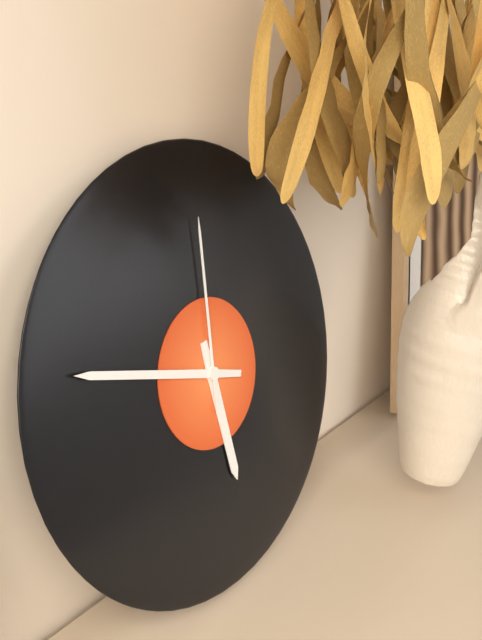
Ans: 5:48:01
